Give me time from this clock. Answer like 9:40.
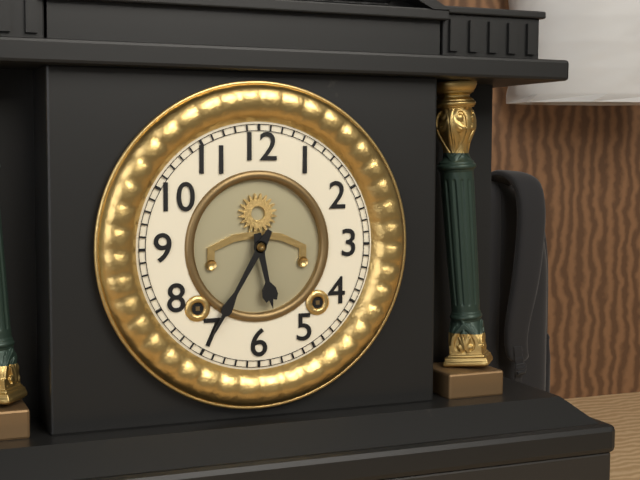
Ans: 5:35
